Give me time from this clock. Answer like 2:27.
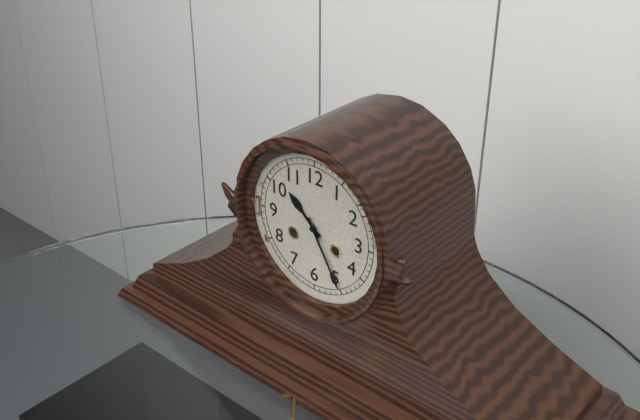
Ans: 10:25
